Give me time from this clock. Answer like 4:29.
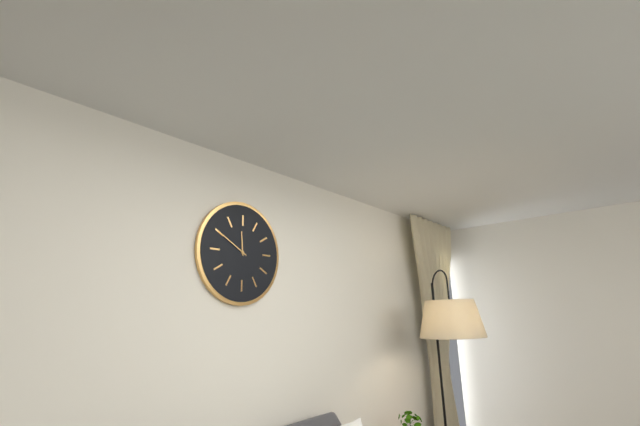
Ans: 11:50
